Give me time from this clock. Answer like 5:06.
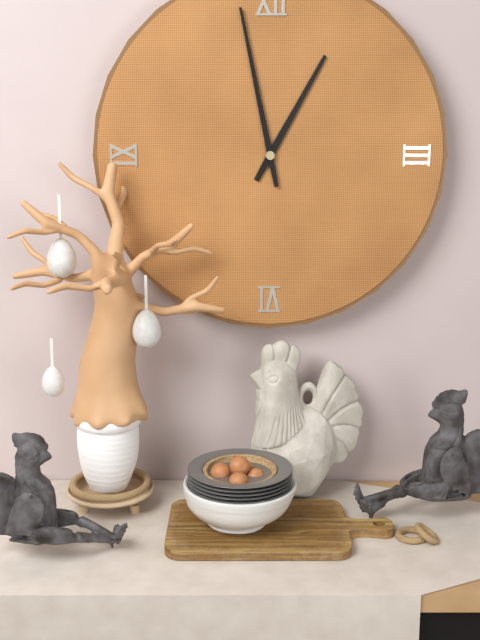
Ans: 12:58
